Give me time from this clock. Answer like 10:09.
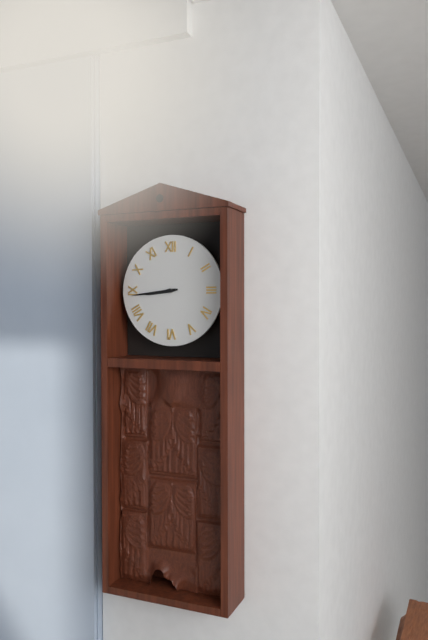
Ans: 8:44
